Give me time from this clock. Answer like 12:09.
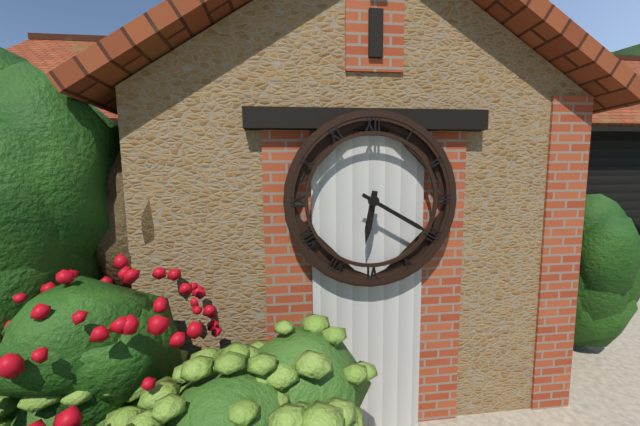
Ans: 6:20
